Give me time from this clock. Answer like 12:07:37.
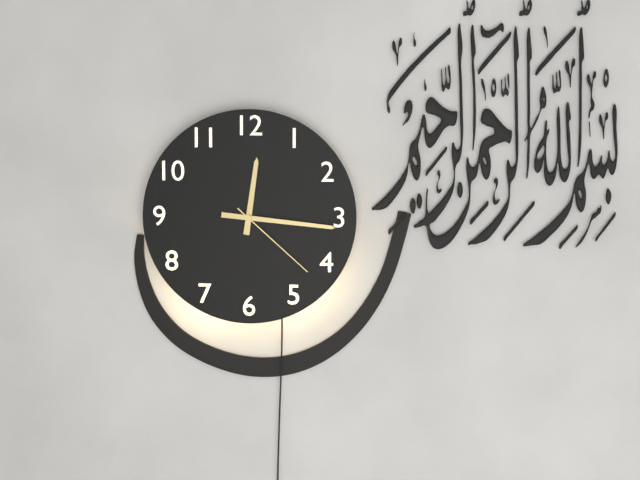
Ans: 12:16:22
